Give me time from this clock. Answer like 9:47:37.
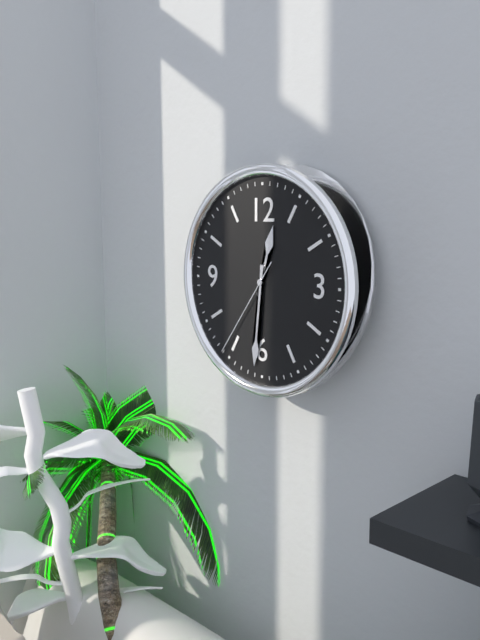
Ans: 12:31:36
